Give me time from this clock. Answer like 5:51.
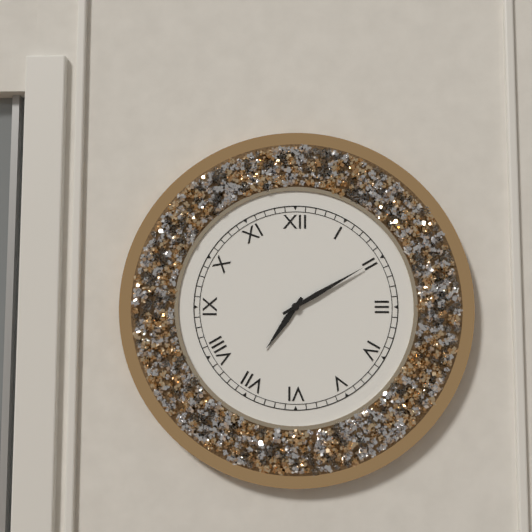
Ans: 7:10
